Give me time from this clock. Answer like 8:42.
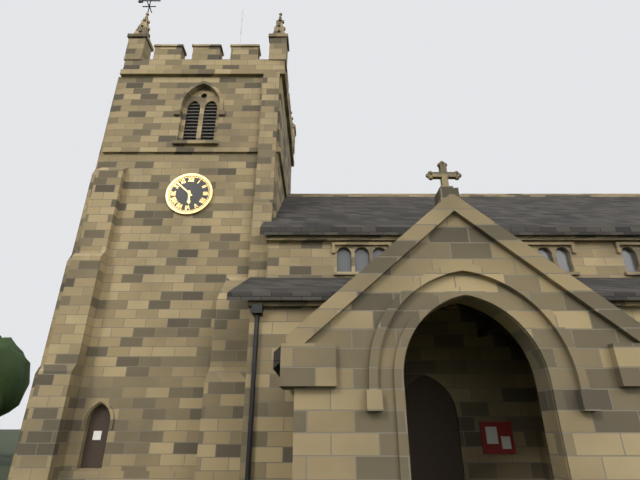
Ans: 5:52
